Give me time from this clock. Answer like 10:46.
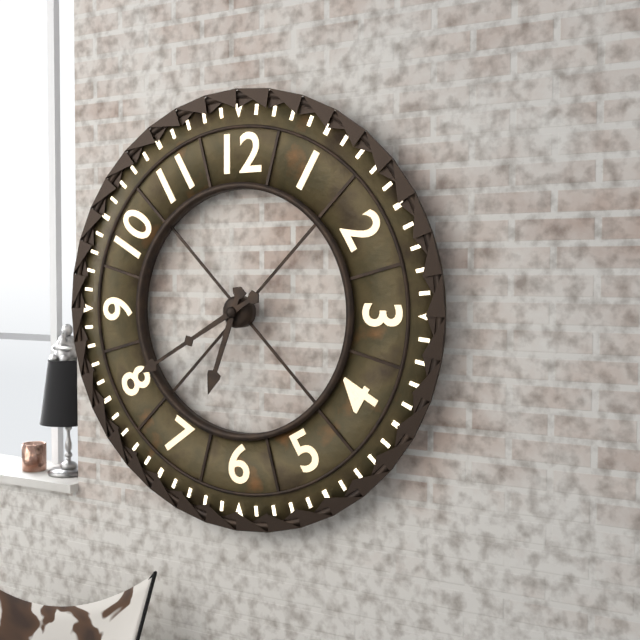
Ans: 6:40
